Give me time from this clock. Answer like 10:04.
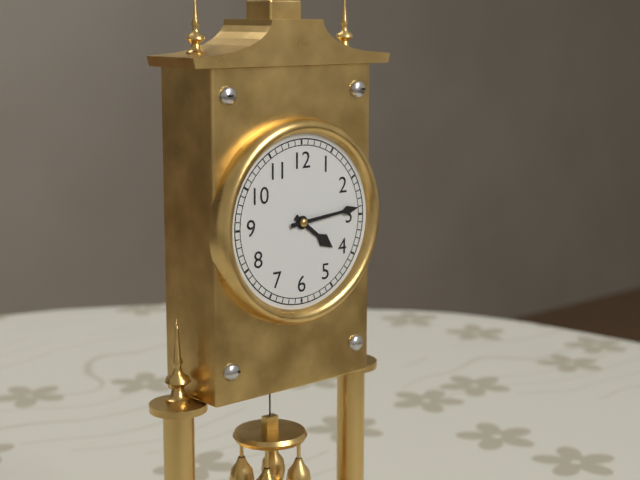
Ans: 4:14
